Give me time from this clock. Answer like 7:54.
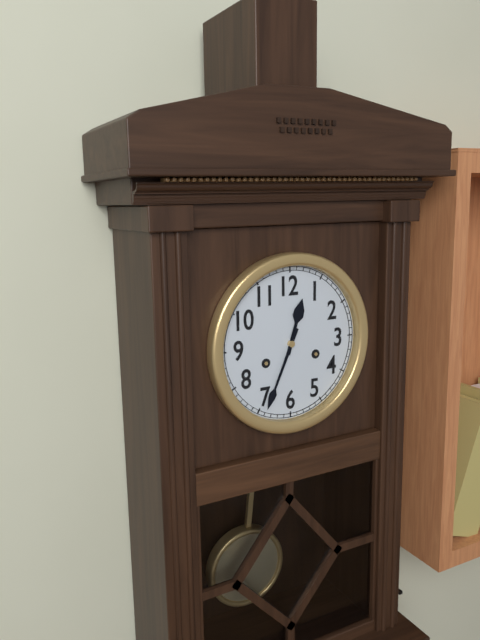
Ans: 12:34
